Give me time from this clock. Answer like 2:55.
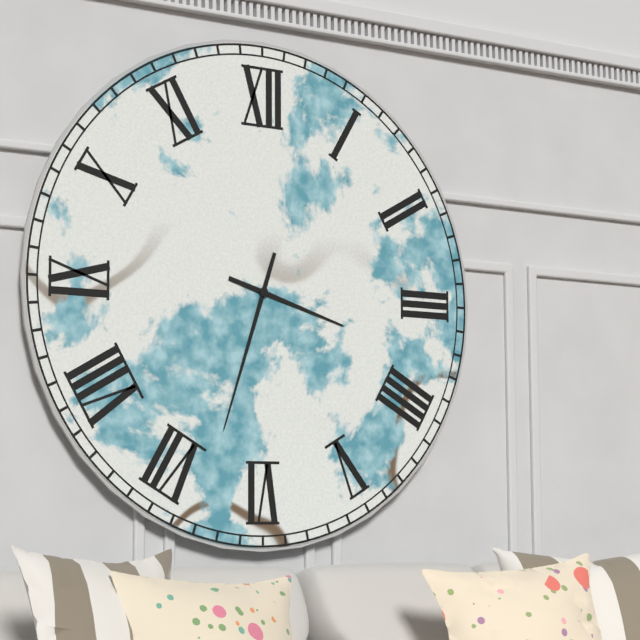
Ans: 3:33
